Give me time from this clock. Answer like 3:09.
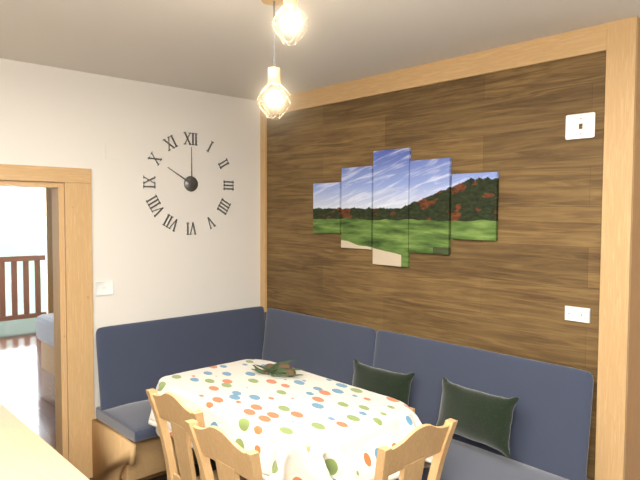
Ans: 10:00
